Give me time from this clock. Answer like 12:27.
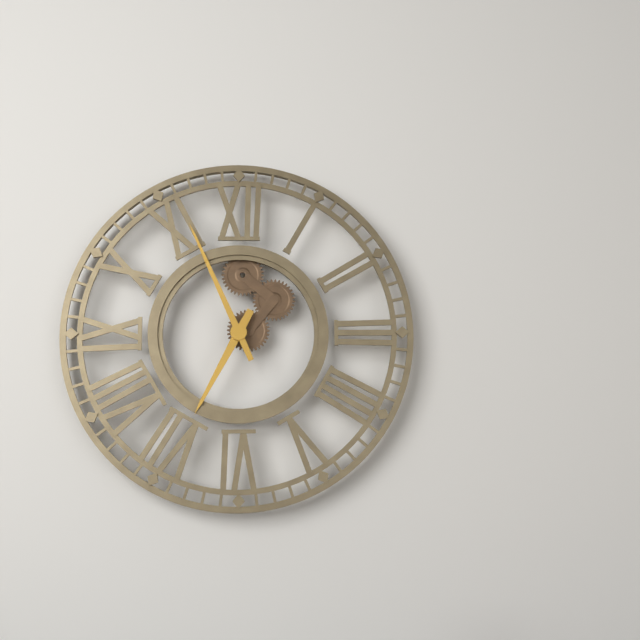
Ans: 6:56
